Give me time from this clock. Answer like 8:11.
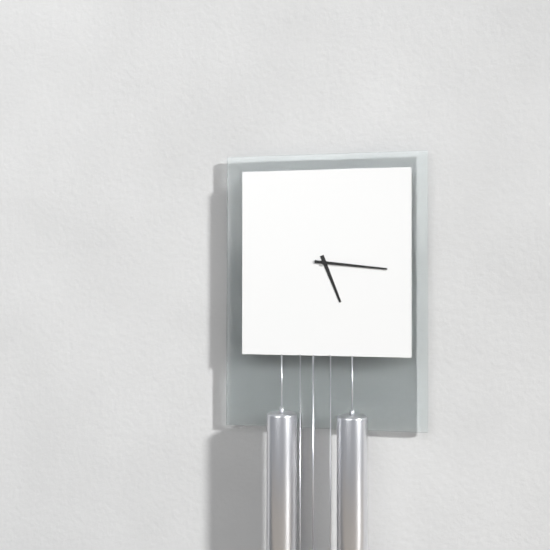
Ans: 5:16
